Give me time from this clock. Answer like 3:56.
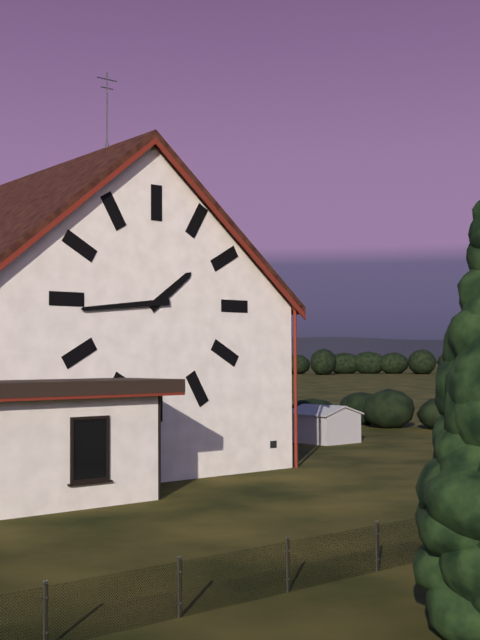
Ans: 1:44
